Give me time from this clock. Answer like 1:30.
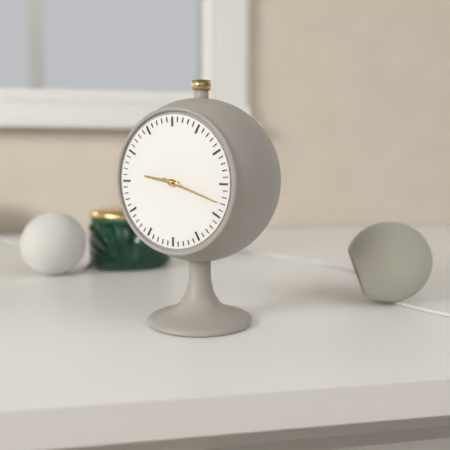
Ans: 9:18
